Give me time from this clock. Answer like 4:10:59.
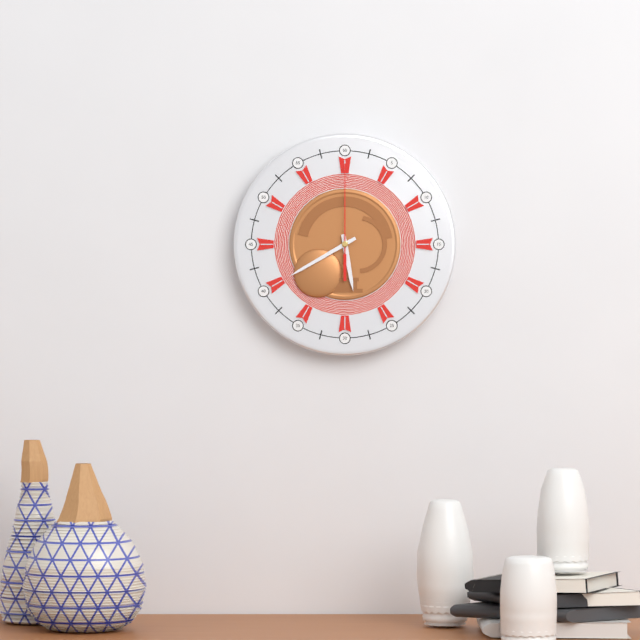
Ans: 5:40:00
